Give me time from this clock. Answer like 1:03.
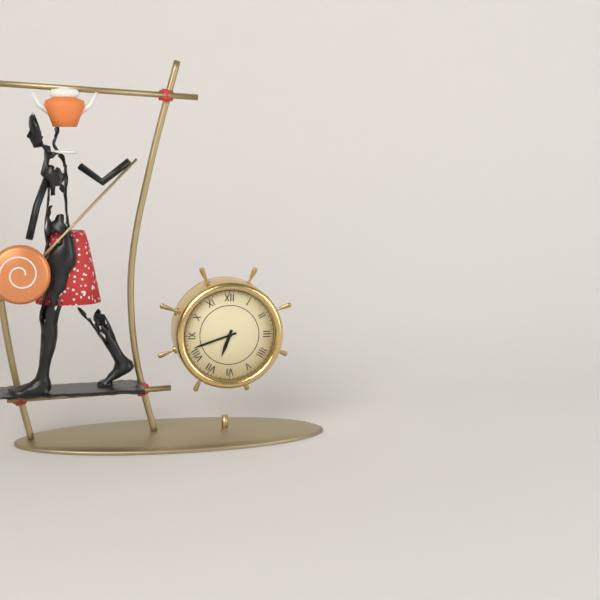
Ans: 6:42
